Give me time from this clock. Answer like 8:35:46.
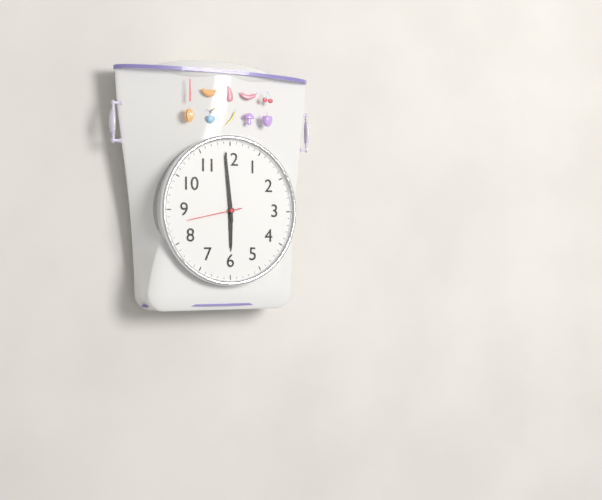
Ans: 5:59:43
